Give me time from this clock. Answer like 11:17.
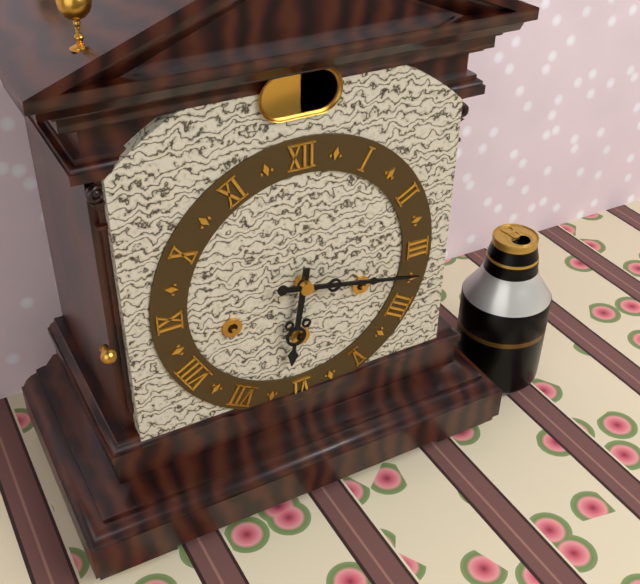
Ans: 6:17
